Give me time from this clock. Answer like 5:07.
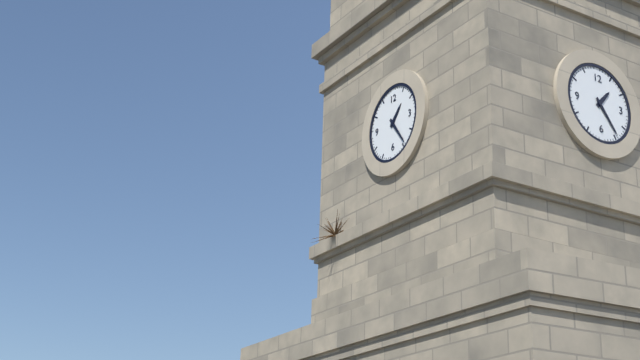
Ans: 1:24
